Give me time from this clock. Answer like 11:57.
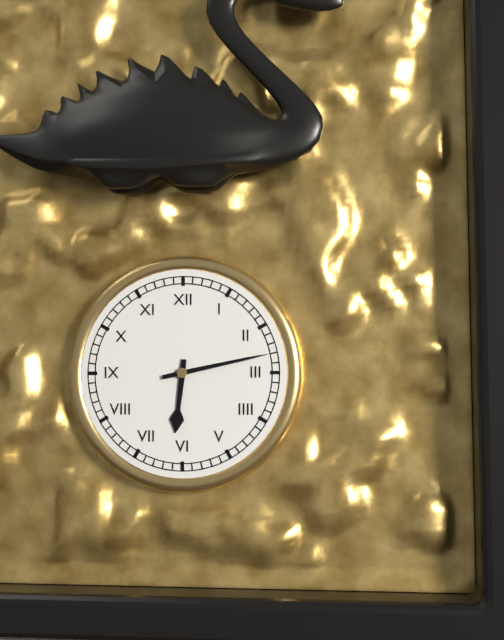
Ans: 6:13
